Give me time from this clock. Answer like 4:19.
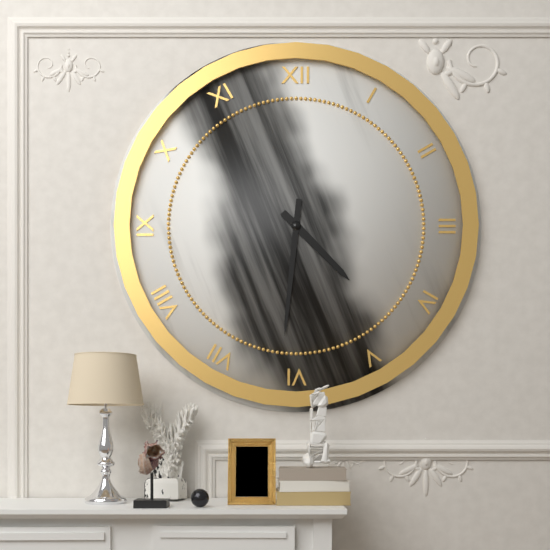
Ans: 4:31
